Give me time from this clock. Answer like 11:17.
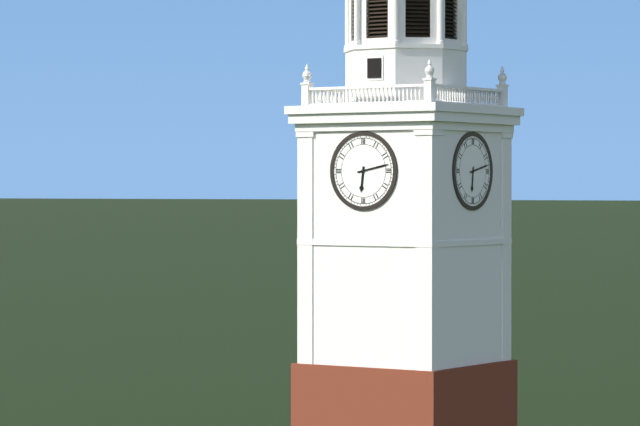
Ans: 6:13
